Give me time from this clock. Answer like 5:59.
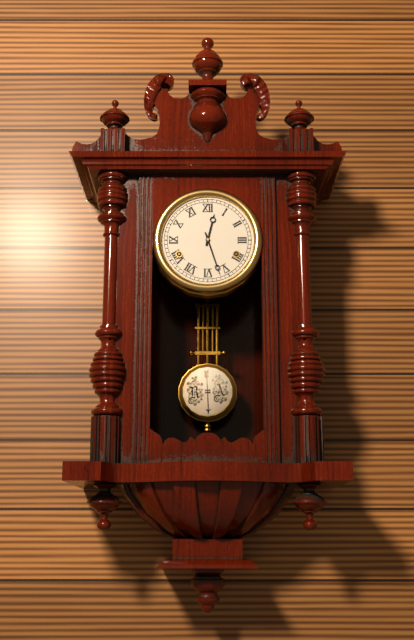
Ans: 12:27
